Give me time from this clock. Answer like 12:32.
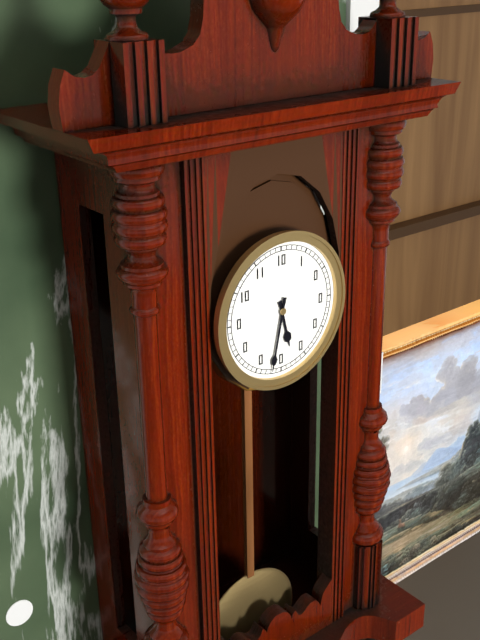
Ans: 5:32
